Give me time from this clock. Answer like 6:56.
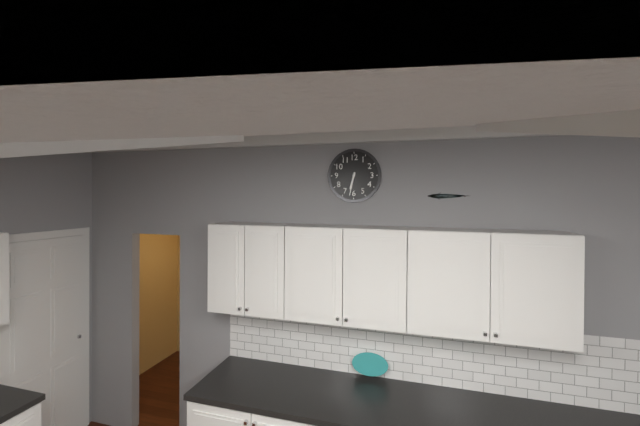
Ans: 6:32
